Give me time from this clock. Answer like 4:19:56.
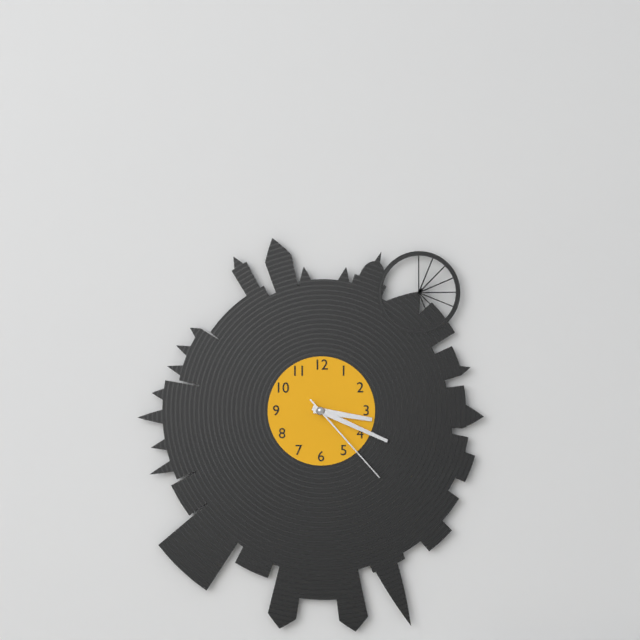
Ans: 3:19:23
